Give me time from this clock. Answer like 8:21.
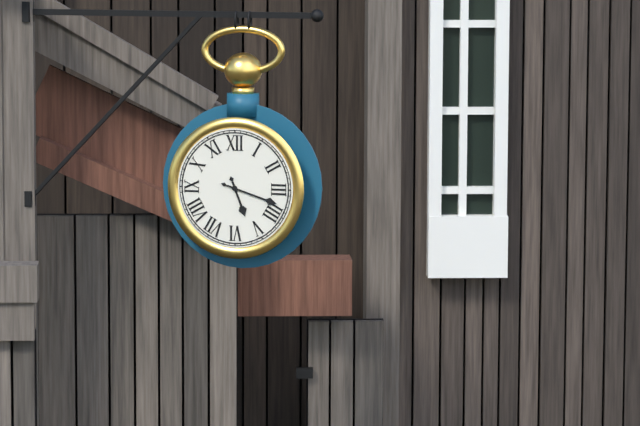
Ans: 5:18
